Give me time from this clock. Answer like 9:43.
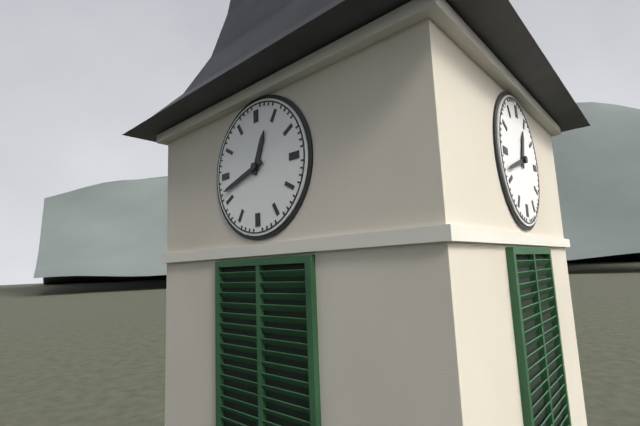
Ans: 12:42
